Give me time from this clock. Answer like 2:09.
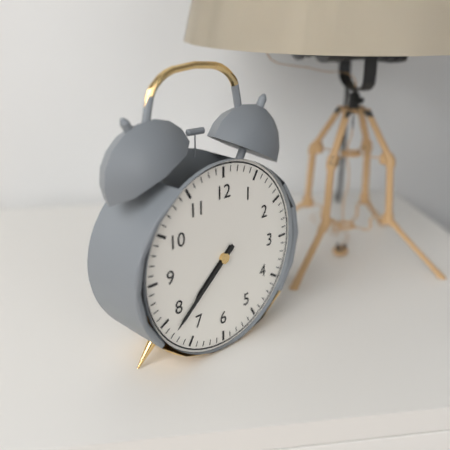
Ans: 7:38
